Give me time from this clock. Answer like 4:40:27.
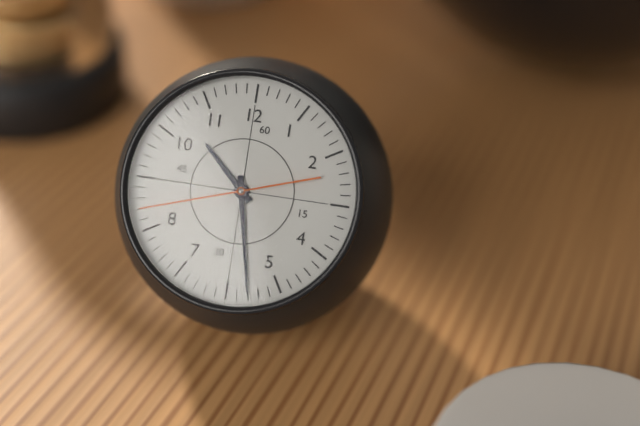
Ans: 10:28:42
